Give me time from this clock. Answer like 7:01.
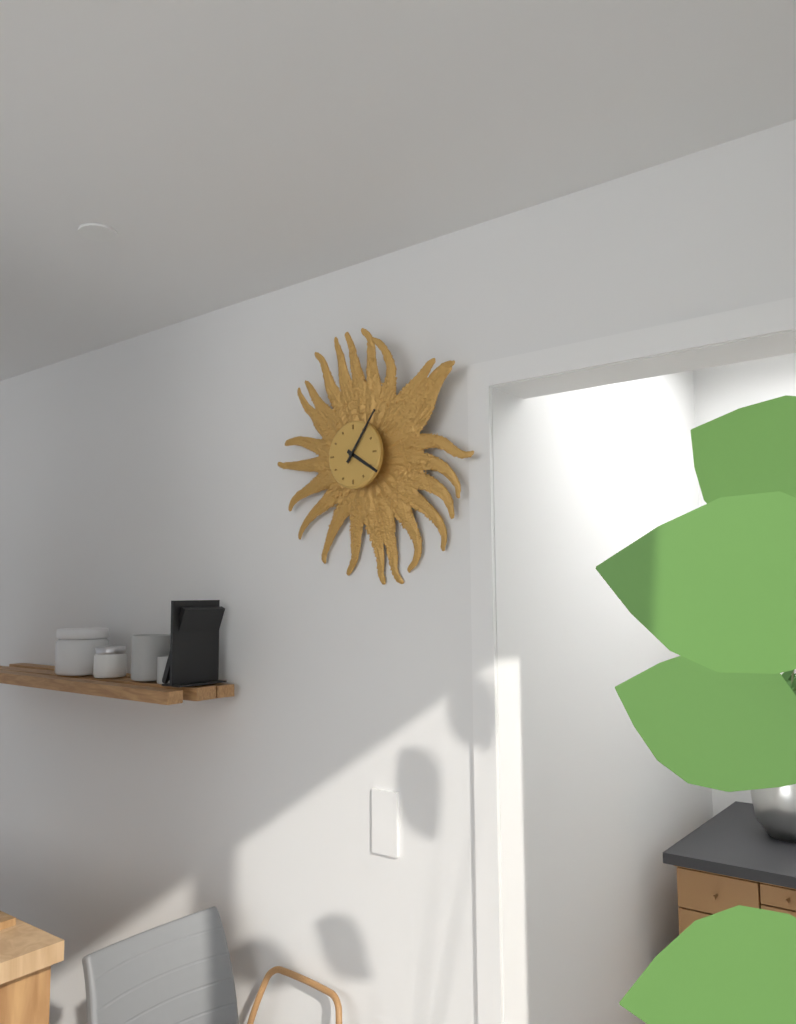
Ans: 4:06
